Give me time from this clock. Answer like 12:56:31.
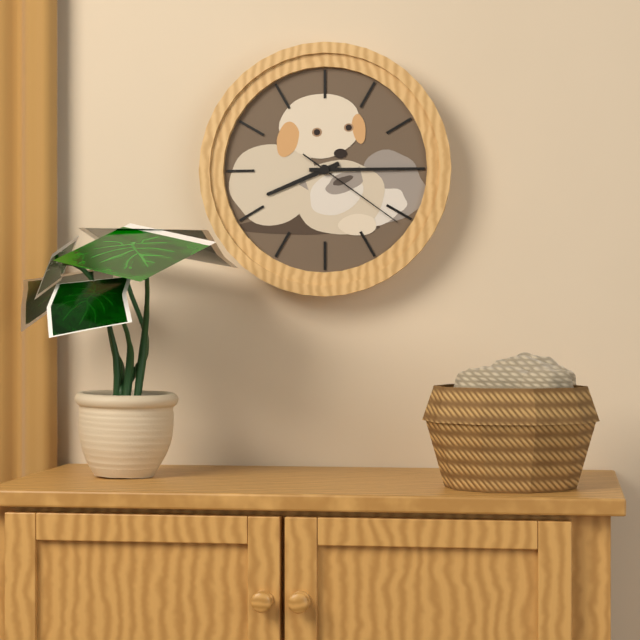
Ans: 8:15:21
